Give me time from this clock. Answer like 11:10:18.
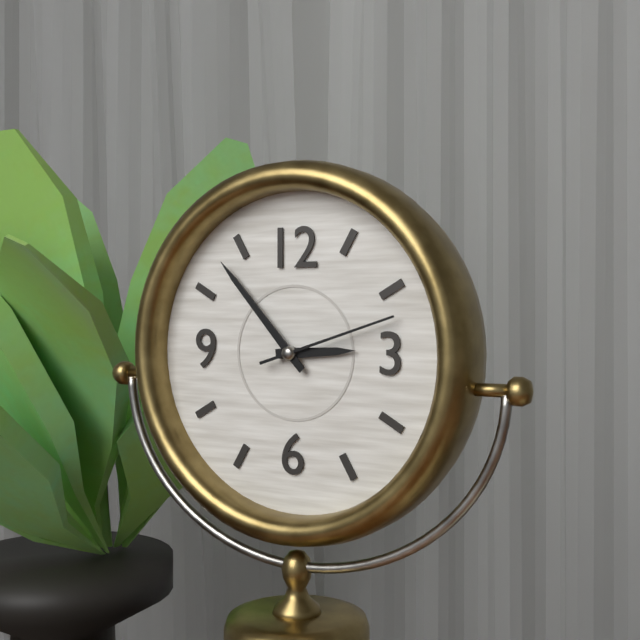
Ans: 2:53:12
